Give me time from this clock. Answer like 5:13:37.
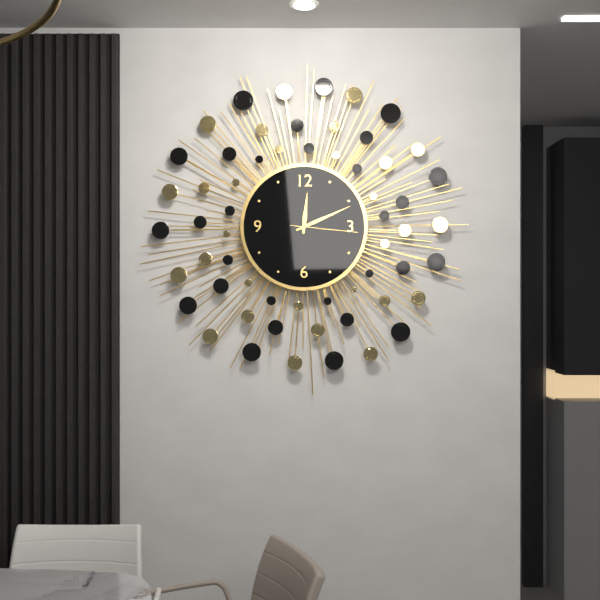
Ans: 12:11:16
